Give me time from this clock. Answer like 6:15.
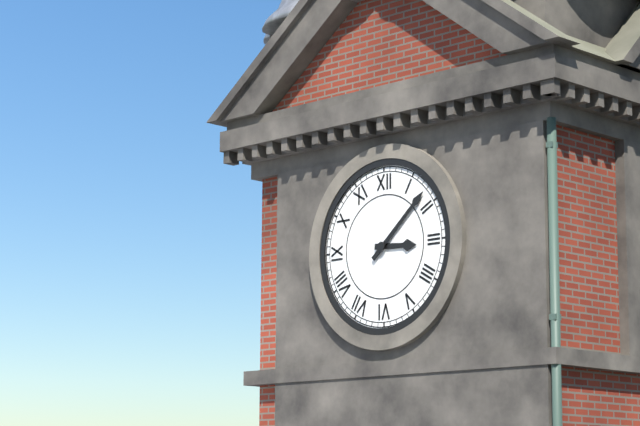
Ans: 3:08
